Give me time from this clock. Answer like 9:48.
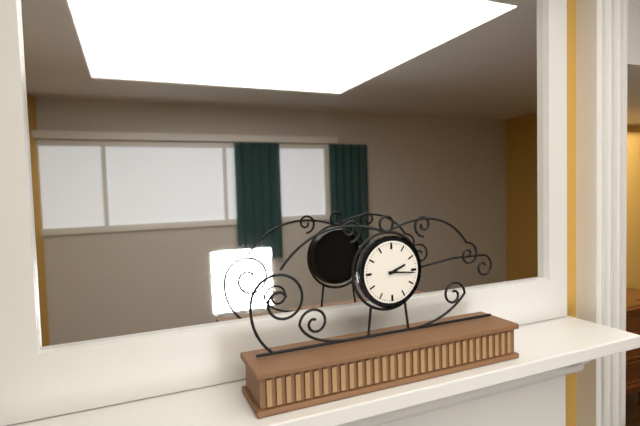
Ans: 2:16
